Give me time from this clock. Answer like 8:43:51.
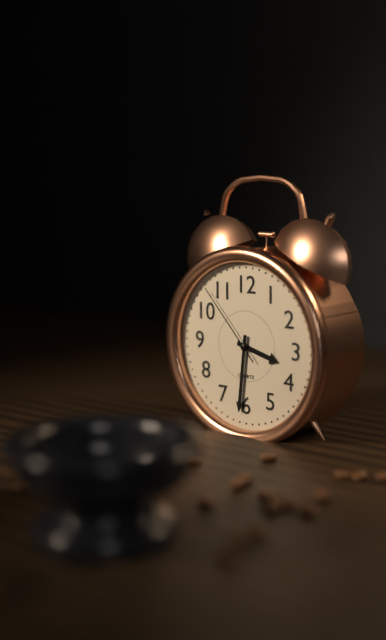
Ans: 3:31:53
